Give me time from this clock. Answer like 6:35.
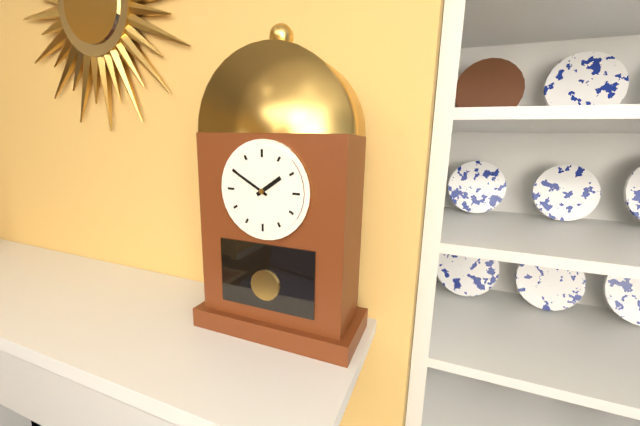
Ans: 1:50
